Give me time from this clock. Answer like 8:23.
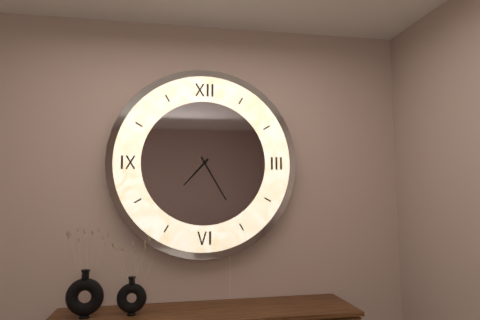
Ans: 7:25
